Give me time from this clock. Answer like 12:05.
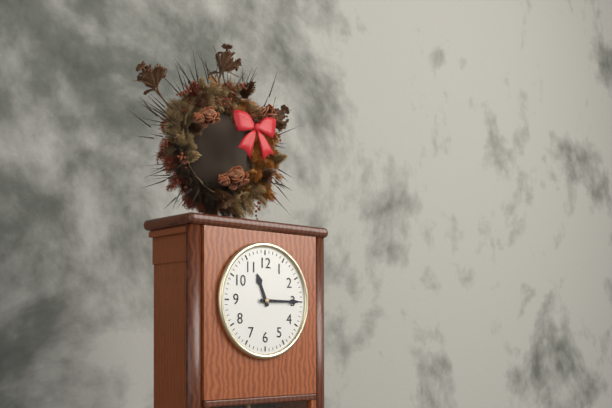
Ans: 11:15
